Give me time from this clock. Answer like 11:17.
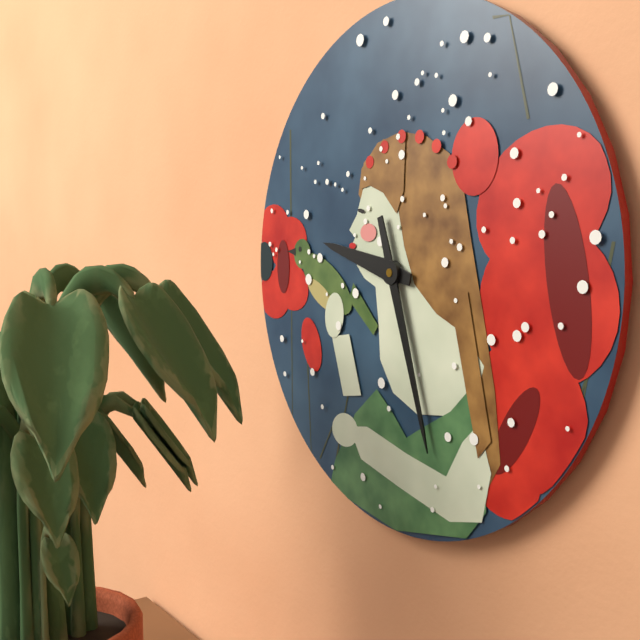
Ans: 9:27
